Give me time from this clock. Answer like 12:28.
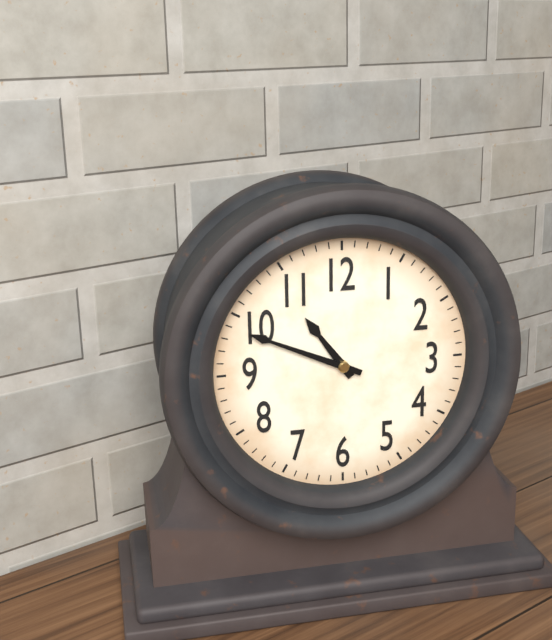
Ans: 10:49
